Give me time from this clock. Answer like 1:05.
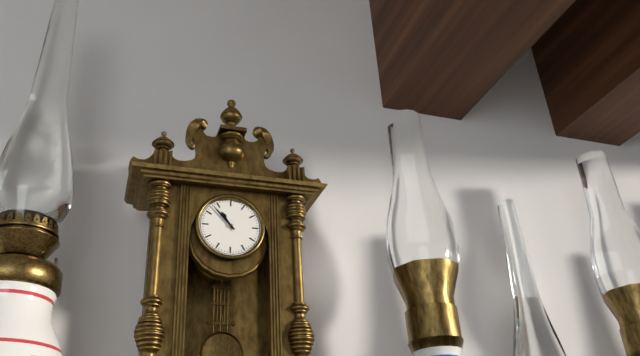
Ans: 10:53
